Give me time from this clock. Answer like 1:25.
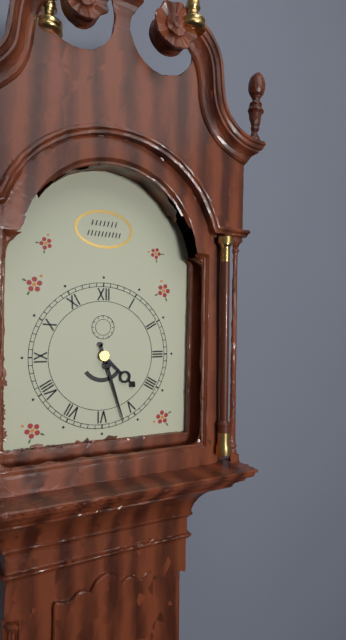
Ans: 4:27
